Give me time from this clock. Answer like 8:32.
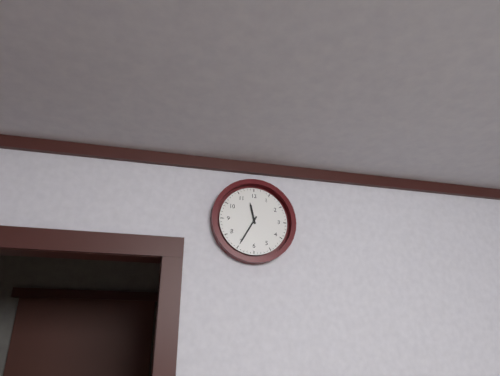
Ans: 11:35
